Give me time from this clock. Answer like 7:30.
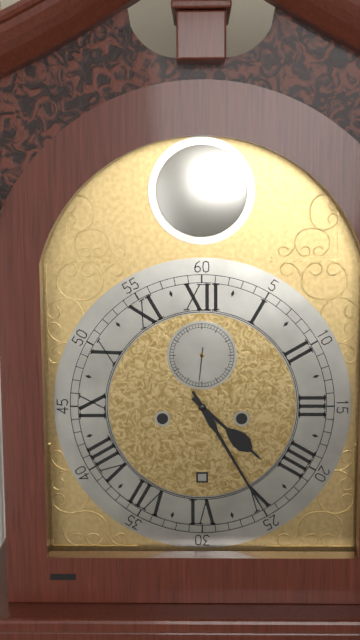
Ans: 4:25
